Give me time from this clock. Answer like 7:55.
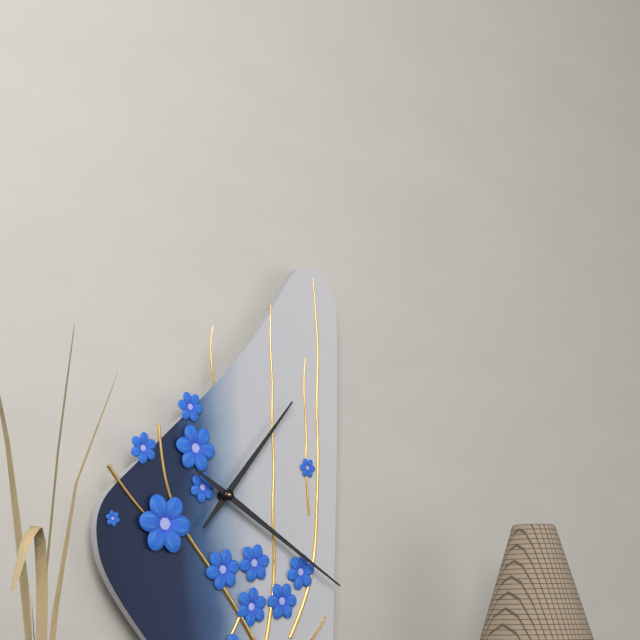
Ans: 1:20
